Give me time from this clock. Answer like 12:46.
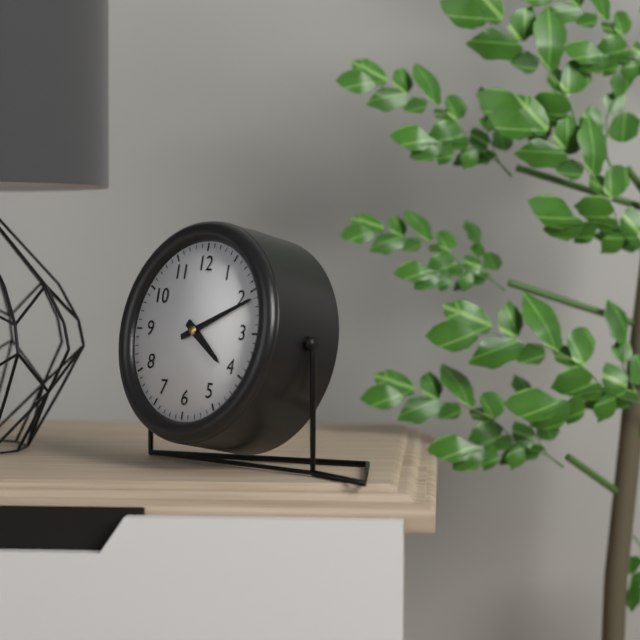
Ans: 4:11
